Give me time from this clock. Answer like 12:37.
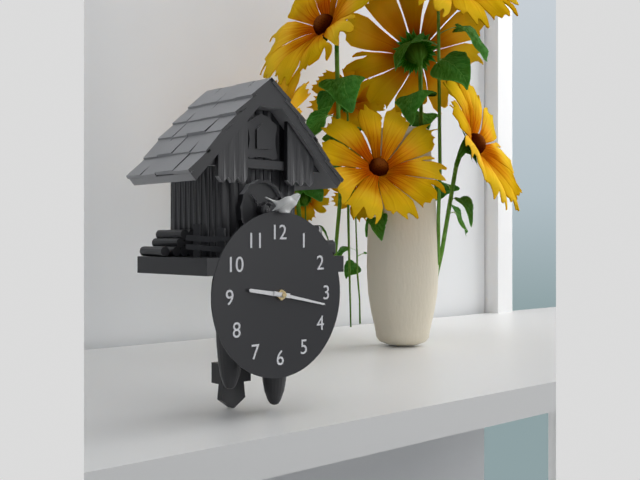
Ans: 9:17
